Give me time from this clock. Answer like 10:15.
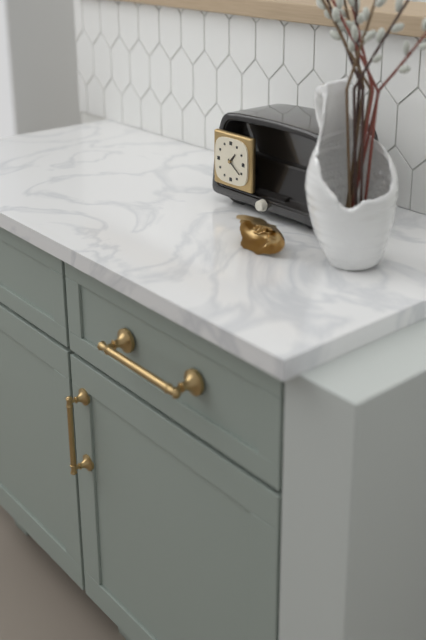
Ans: 1:21
